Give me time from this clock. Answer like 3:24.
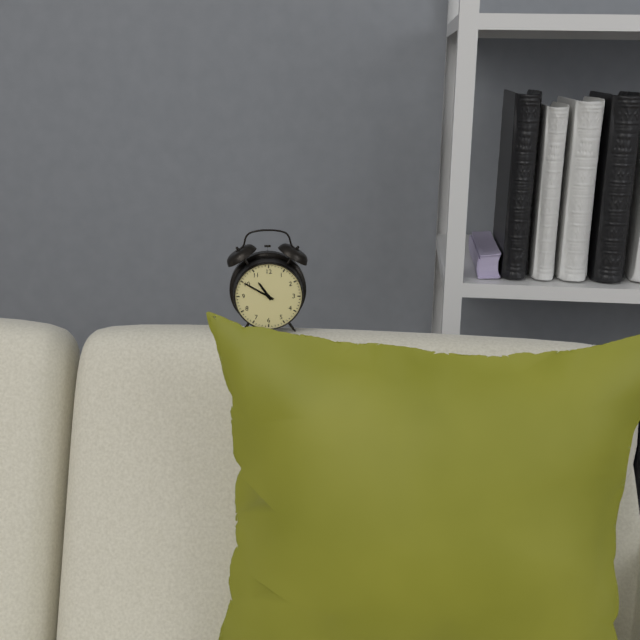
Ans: 10:50
